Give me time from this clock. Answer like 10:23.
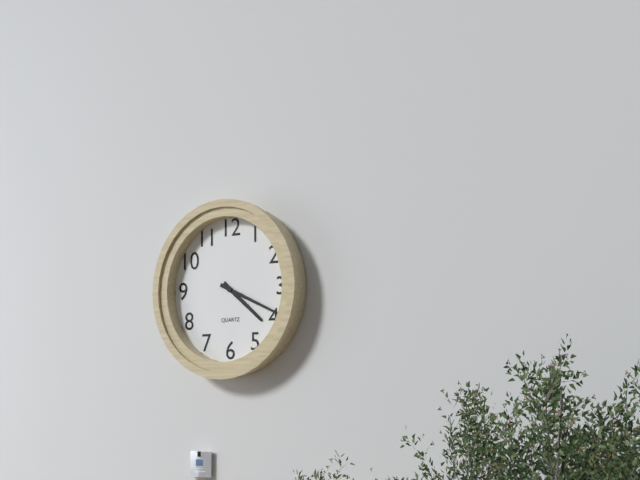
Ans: 4:19
